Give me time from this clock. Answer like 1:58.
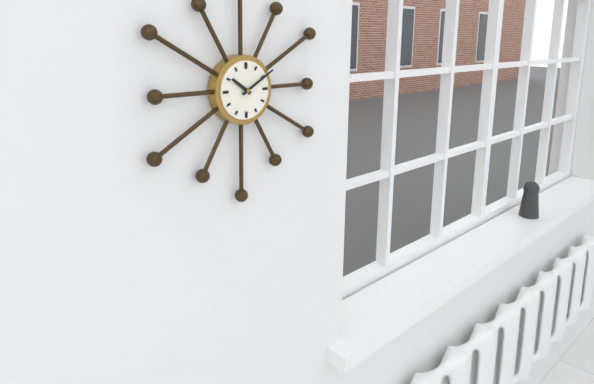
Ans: 10:10
